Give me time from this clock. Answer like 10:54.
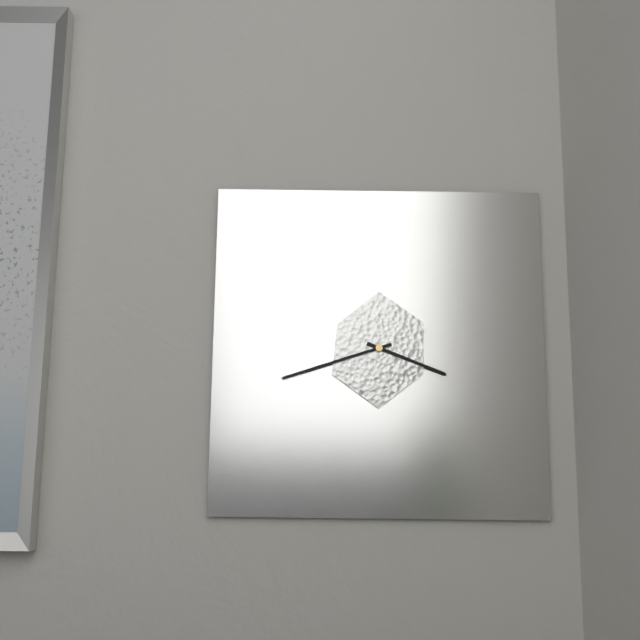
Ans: 3:42
